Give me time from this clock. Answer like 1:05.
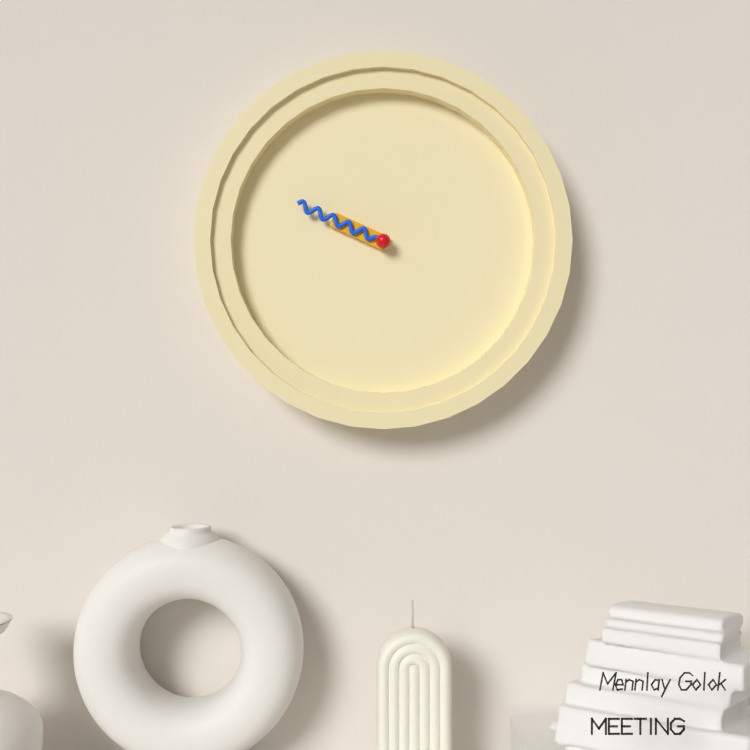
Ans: 9:49
